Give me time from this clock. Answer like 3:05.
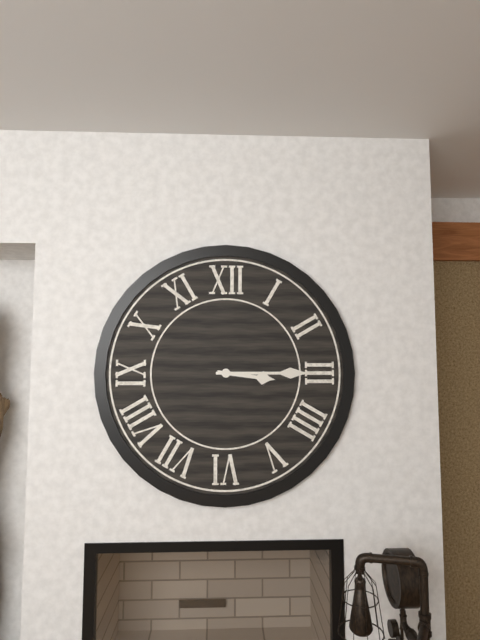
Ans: 3:15
